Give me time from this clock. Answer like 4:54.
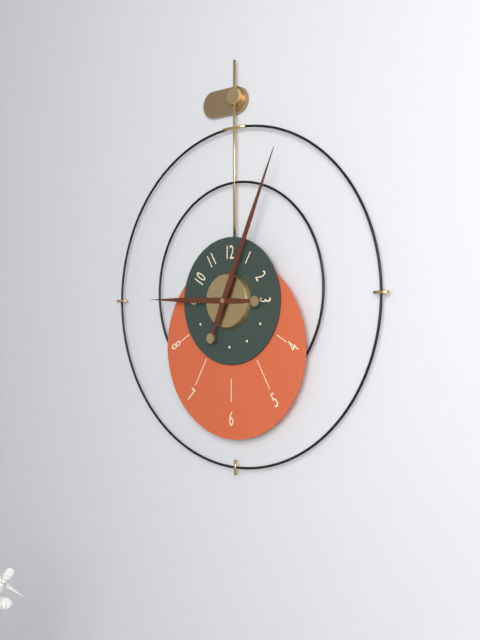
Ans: 9:04
